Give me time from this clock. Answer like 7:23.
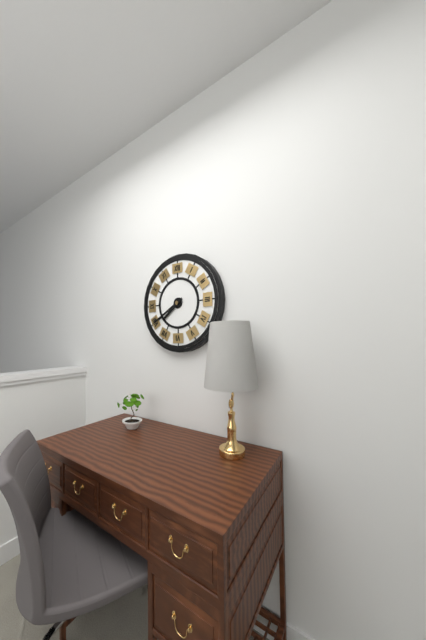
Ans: 7:40
